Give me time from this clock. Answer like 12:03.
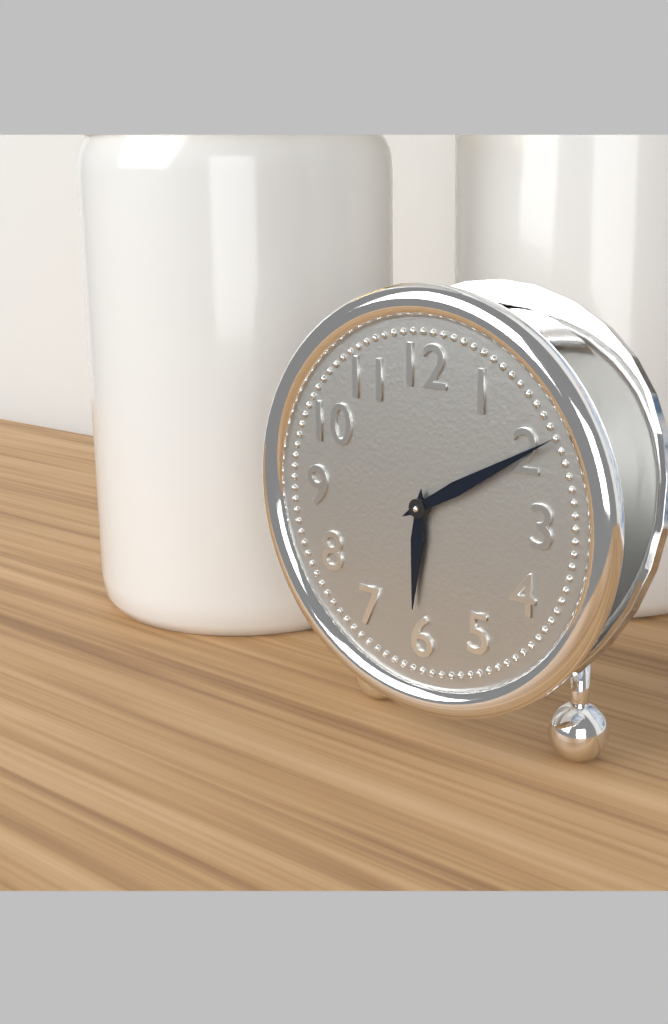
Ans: 6:10
